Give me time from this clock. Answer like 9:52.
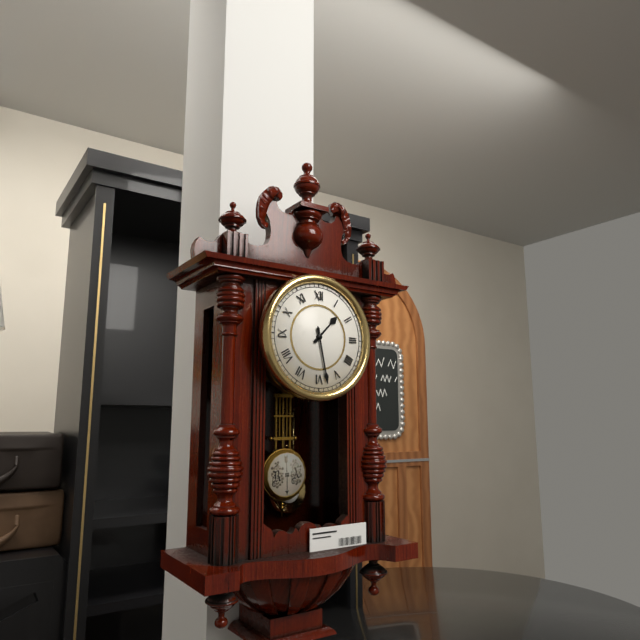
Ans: 1:28
